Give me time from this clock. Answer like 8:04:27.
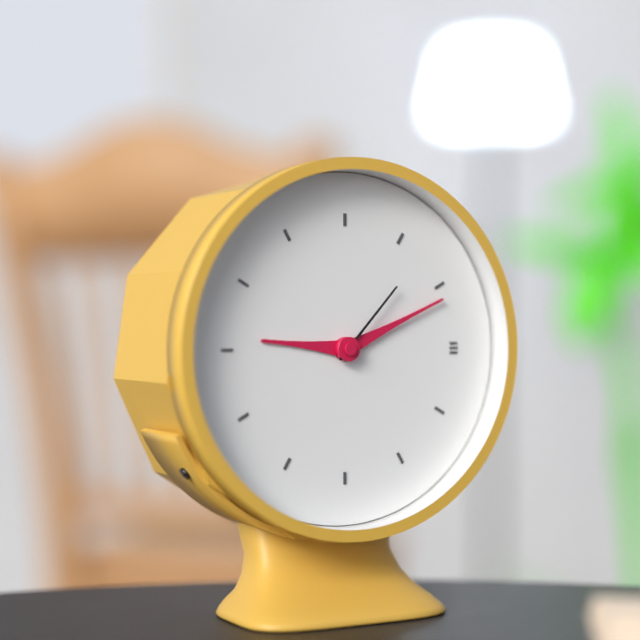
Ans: 9:11:07
